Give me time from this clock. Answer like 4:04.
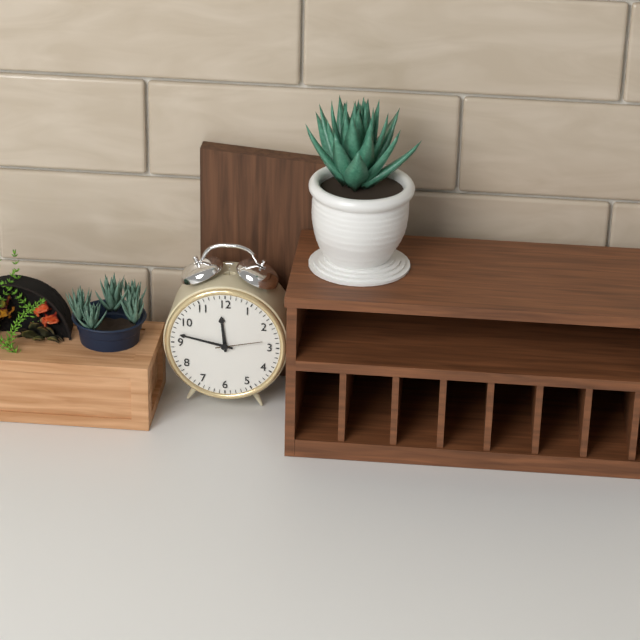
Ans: 11:47
